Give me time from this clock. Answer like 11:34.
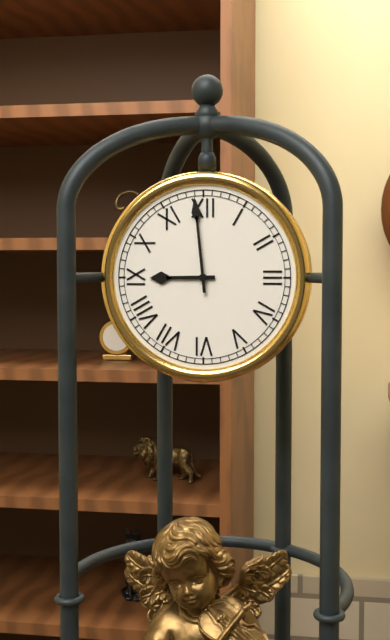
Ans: 8:59
